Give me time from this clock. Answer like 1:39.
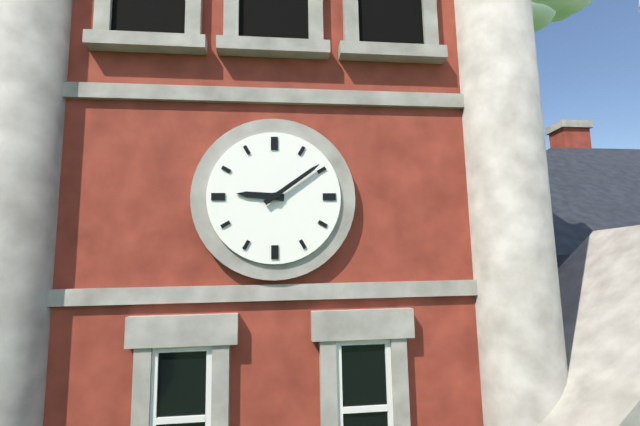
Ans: 9:09
